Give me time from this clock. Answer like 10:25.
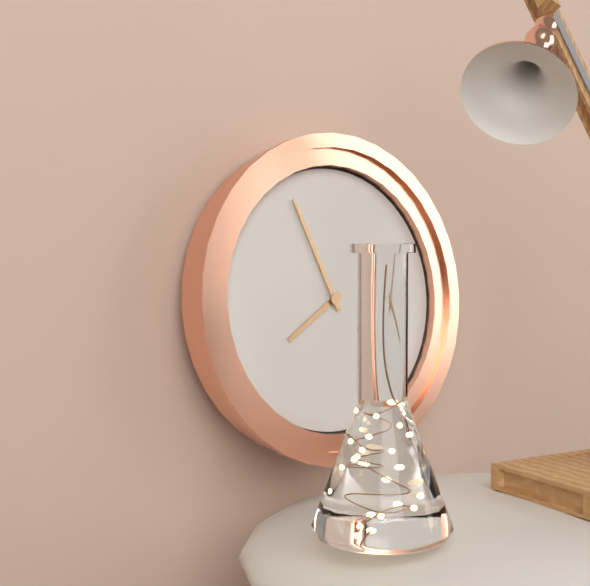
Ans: 7:56
